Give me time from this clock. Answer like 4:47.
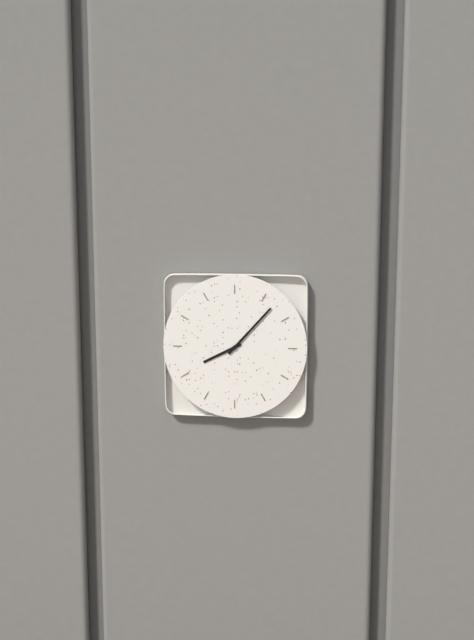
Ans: 8:07
